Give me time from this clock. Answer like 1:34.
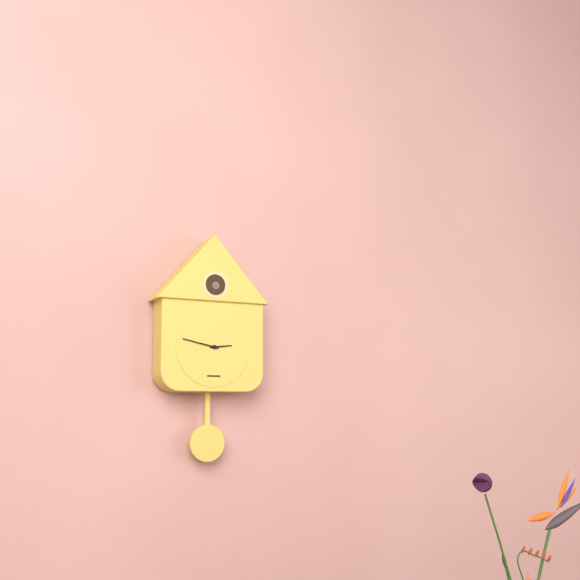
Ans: 2:47
